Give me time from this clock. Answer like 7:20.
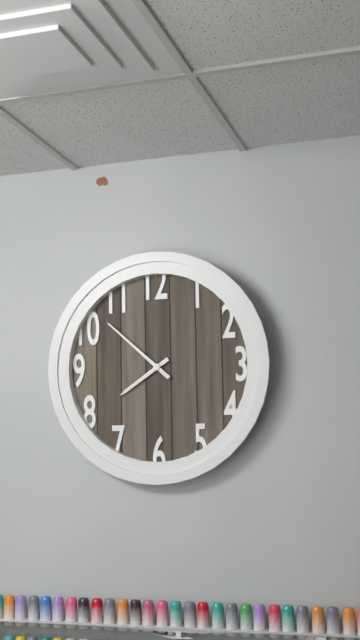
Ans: 7:52
